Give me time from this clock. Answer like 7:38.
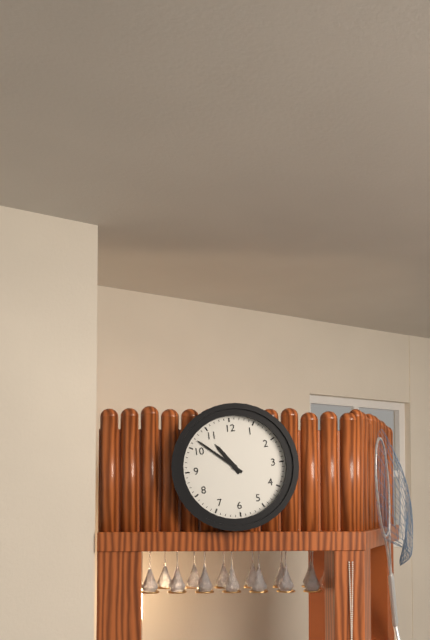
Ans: 10:52
